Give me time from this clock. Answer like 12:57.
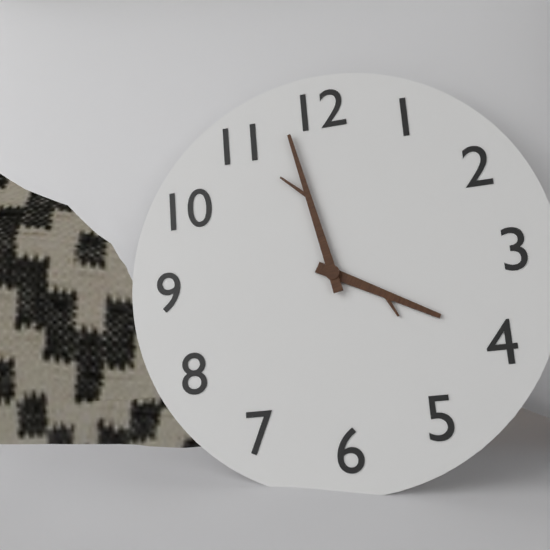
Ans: 3:58
